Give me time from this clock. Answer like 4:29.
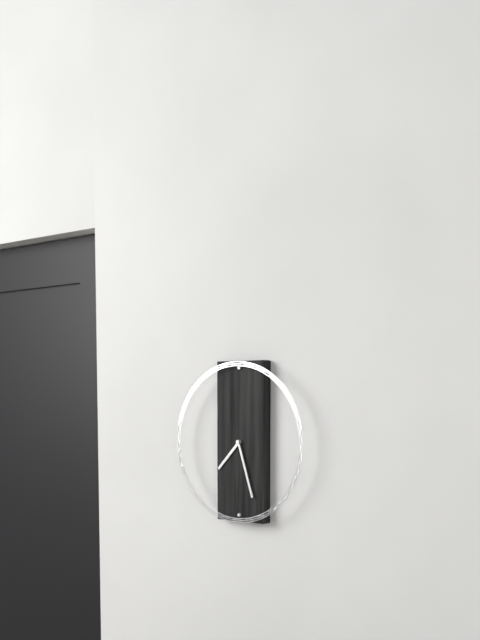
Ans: 7:27
